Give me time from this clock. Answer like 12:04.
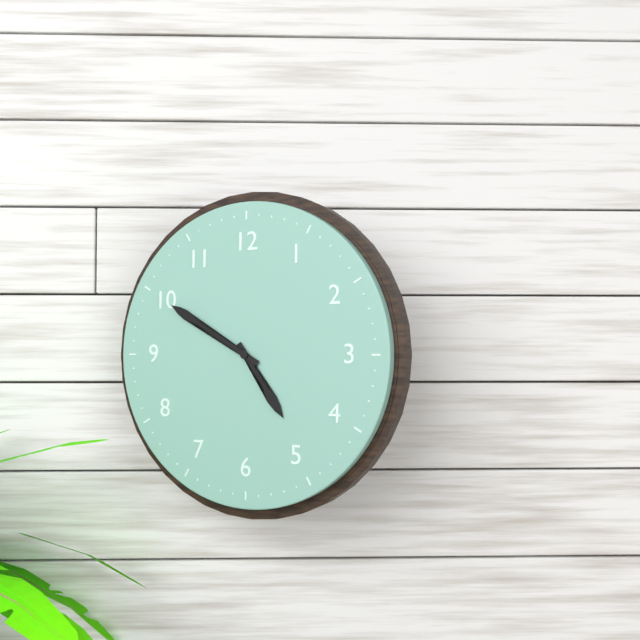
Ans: 4:50
